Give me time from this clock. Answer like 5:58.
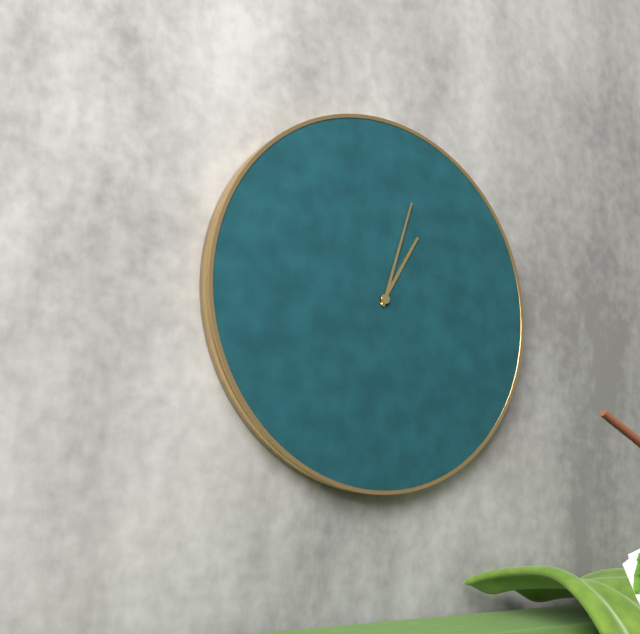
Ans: 1:03
